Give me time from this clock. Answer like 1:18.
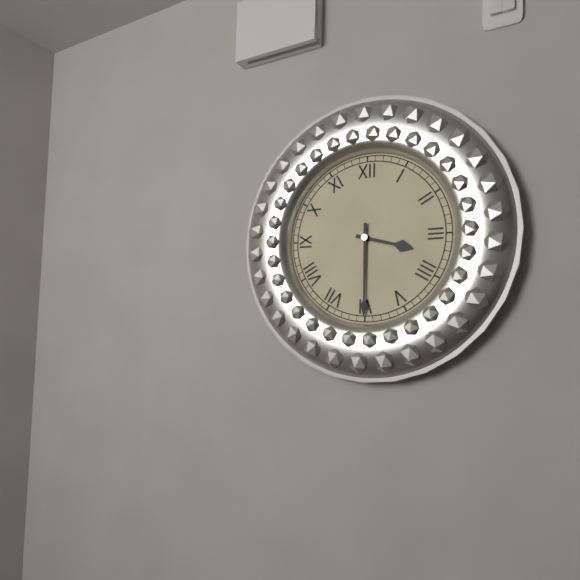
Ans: 3:30
